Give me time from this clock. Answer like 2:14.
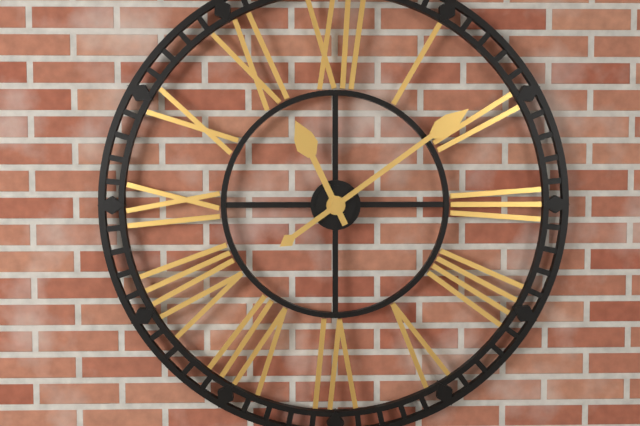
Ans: 11:09
